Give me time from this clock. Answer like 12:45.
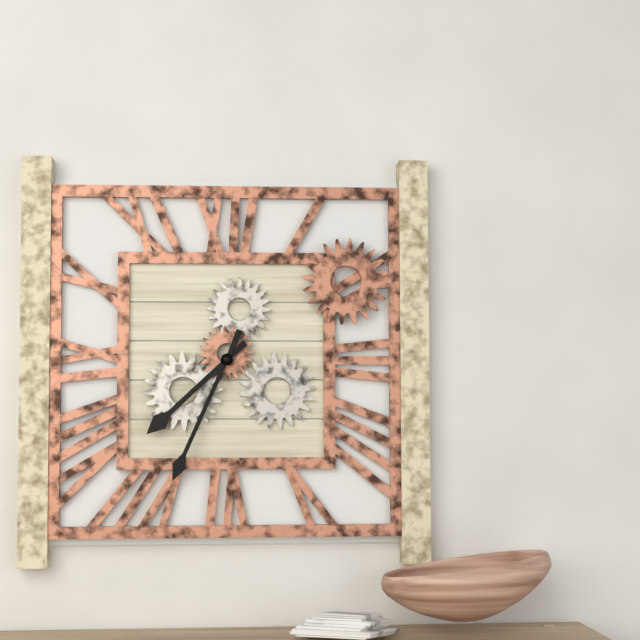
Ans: 7:34
